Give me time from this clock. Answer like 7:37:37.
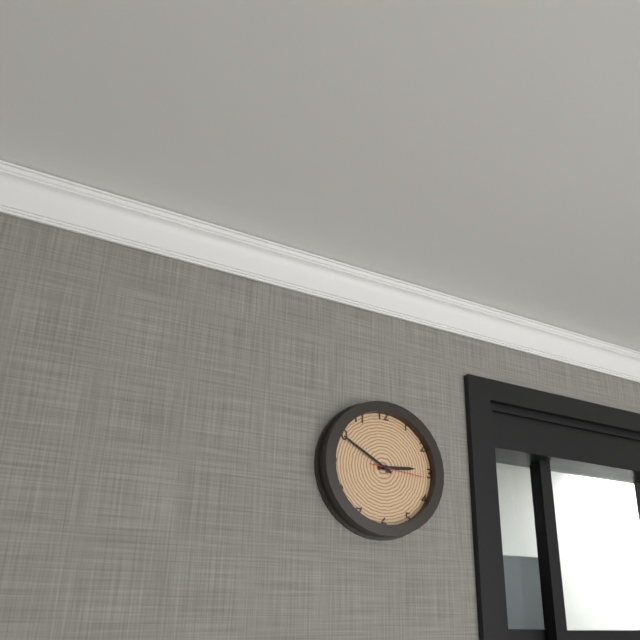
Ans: 2:50:16
